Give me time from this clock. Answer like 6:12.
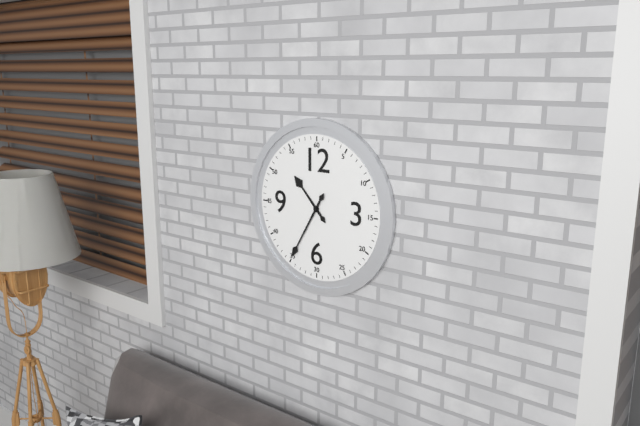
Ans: 10:35
